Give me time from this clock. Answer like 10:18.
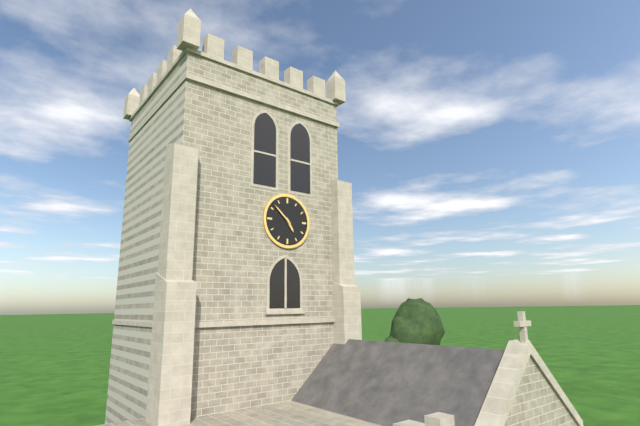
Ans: 4:52
